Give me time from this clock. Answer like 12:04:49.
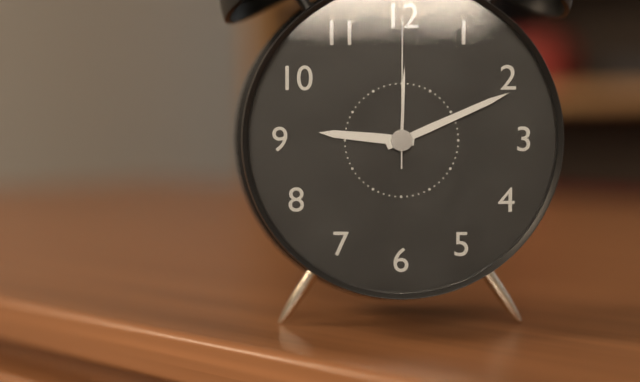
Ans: 9:11:00
